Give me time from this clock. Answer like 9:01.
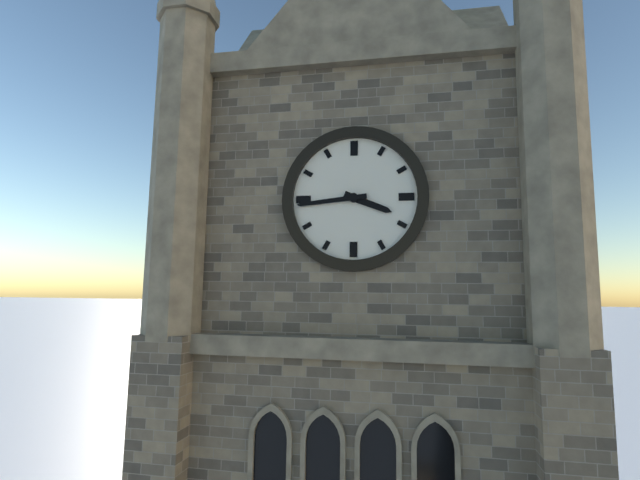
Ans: 3:44
